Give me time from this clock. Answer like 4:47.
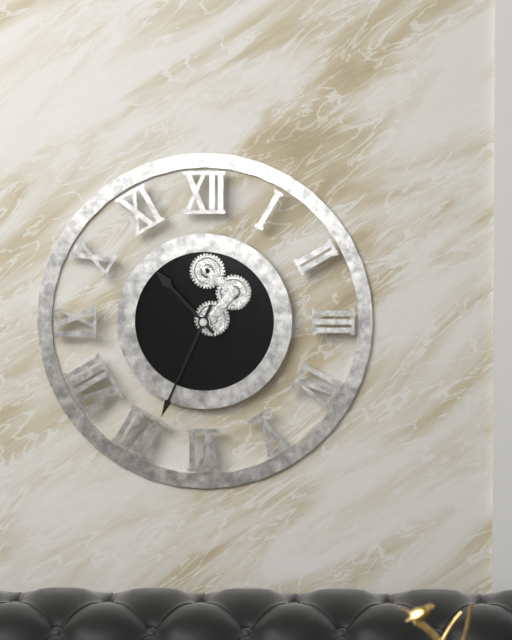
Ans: 10:34
